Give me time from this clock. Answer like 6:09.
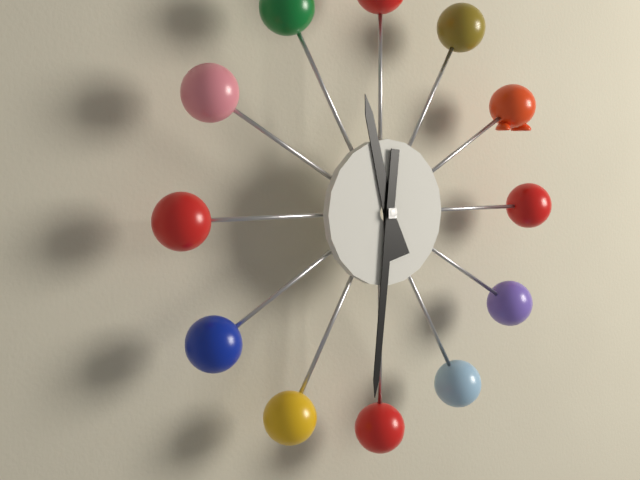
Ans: 11:31
